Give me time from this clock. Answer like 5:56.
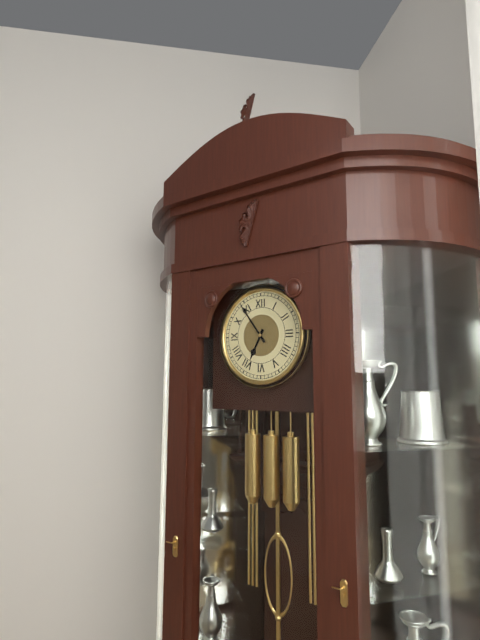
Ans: 6:54
